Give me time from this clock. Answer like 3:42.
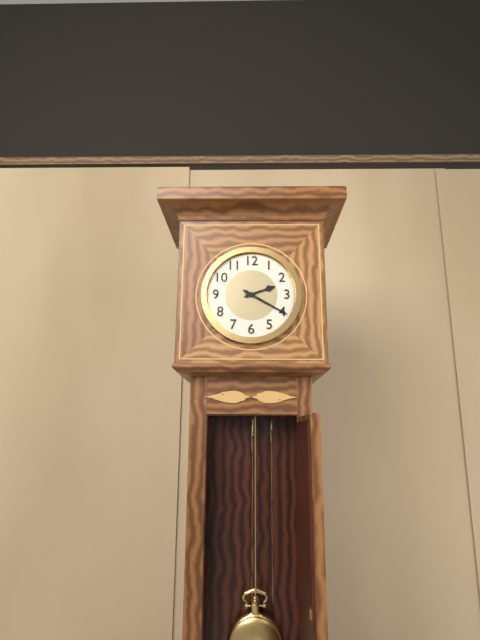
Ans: 2:20
